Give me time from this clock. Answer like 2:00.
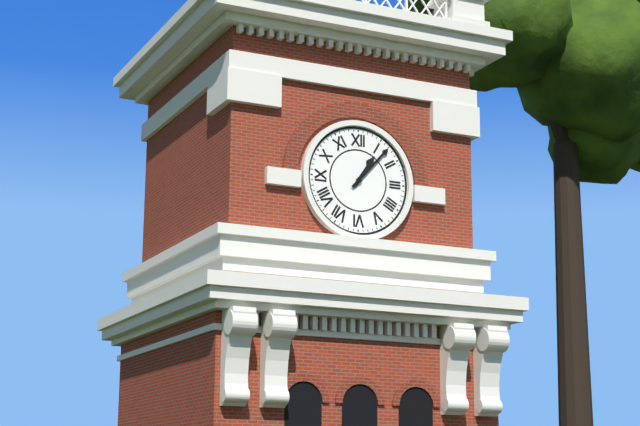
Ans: 1:07
